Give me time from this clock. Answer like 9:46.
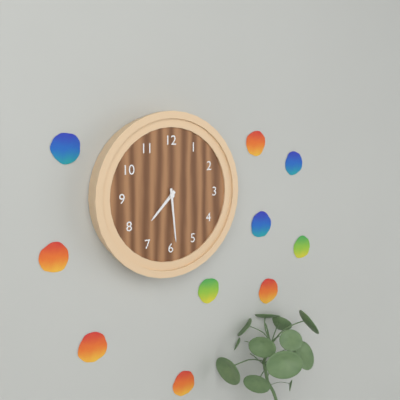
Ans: 7:29
